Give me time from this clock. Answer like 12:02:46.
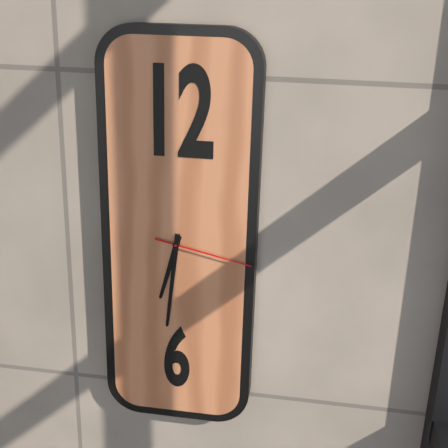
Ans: 6:31:17
